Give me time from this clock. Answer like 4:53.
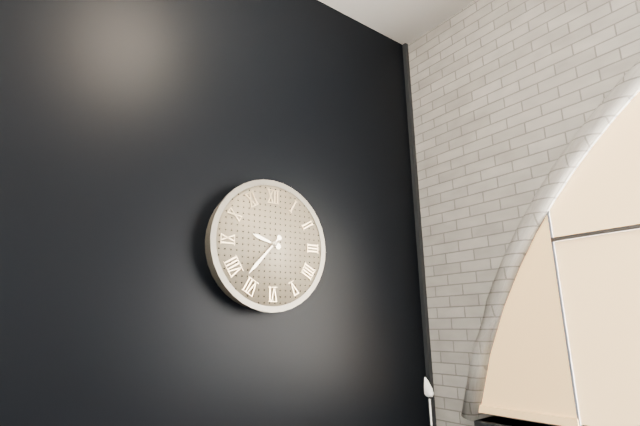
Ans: 9:37
